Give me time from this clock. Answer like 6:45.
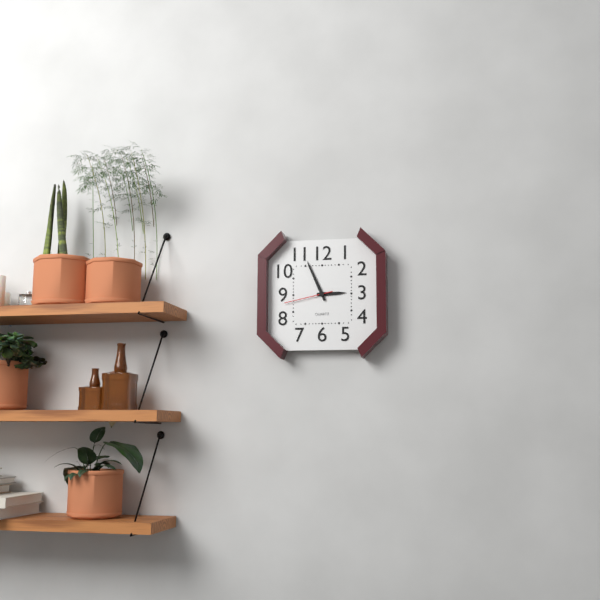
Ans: 2:56
